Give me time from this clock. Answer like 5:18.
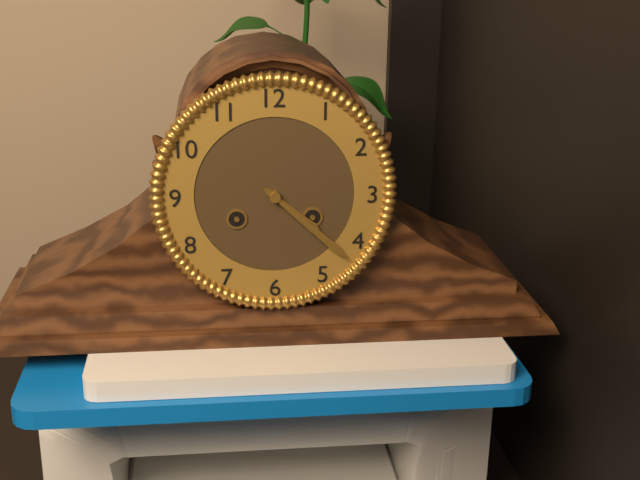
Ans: 4:22
